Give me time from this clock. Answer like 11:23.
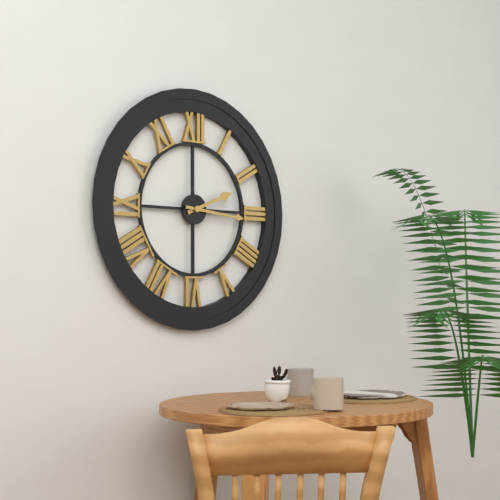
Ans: 2:16
